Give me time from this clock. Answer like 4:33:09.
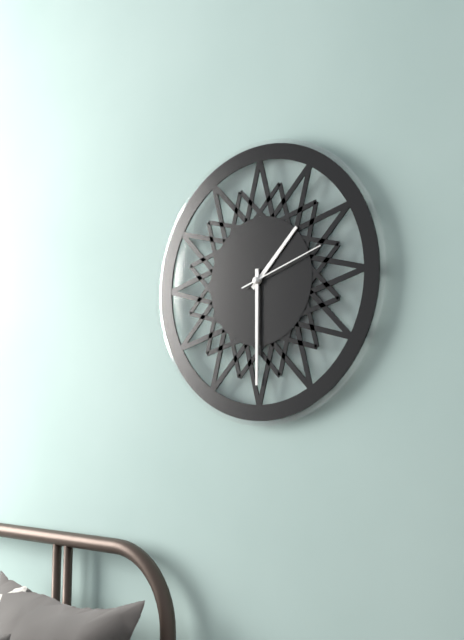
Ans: 1:30:12
